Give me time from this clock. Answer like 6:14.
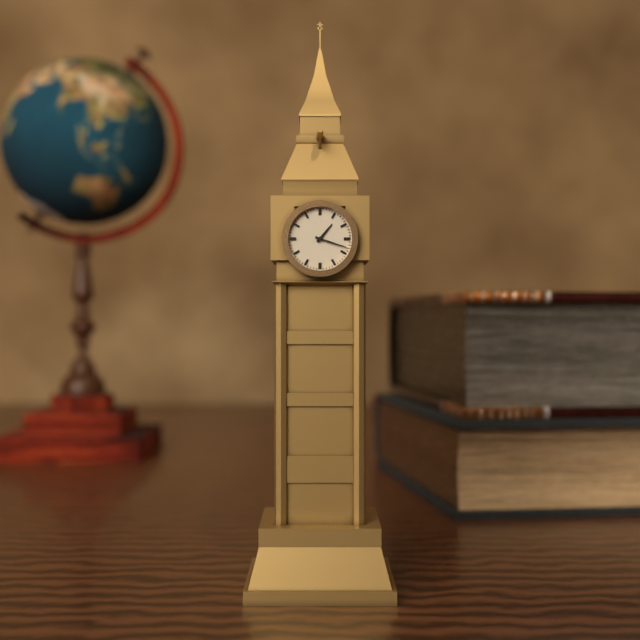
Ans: 1:18
